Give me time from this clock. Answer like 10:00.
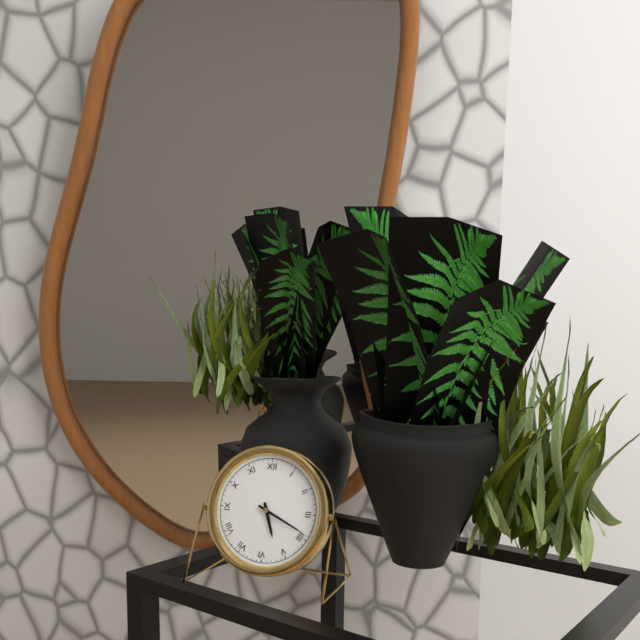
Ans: 5:19
